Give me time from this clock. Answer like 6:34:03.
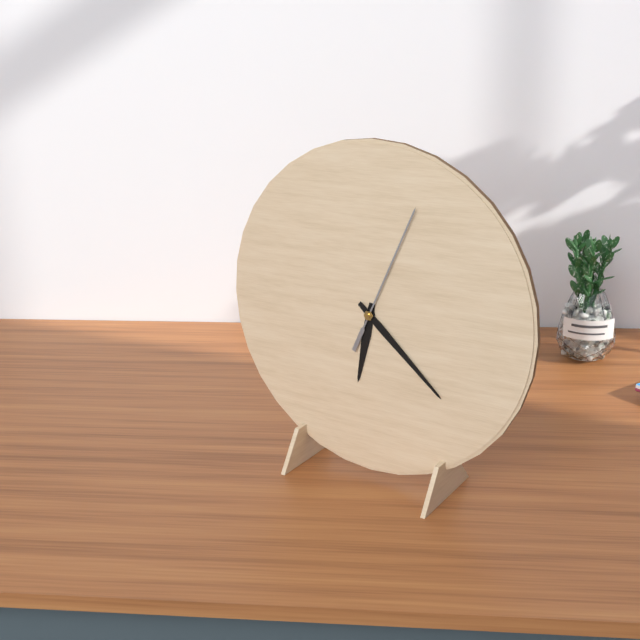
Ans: 6:22:04
